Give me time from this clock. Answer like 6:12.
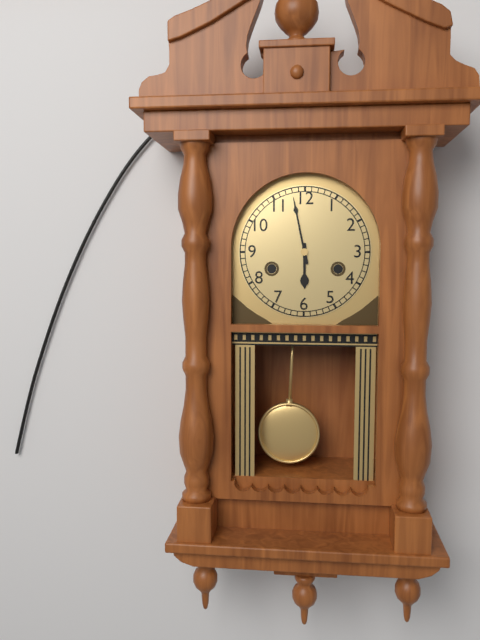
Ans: 5:58
